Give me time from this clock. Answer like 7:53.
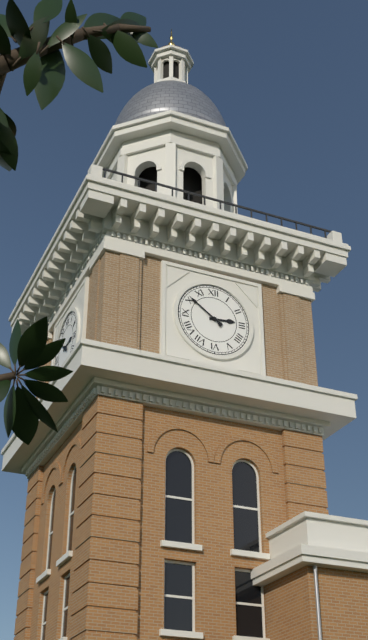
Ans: 2:51
